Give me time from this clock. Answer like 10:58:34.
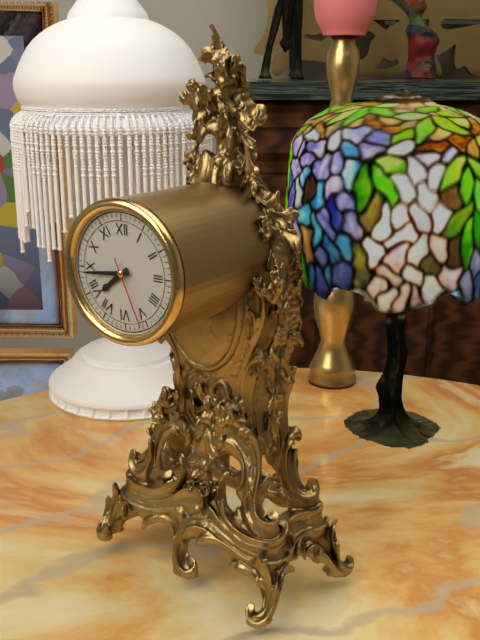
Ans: 7:44:26
